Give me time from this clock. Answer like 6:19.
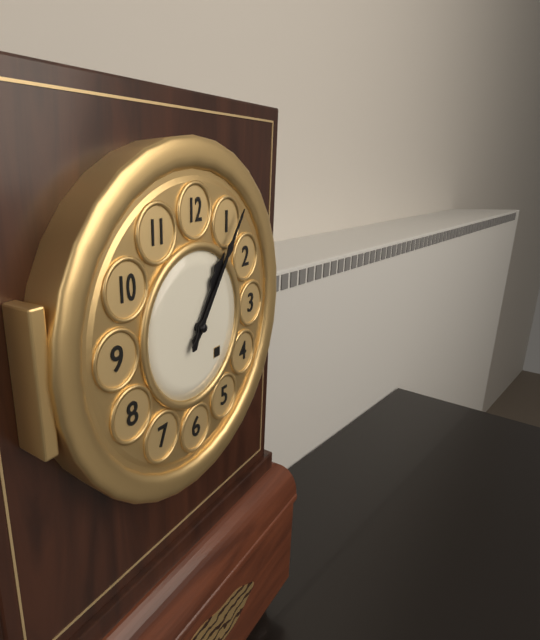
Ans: 1:06
